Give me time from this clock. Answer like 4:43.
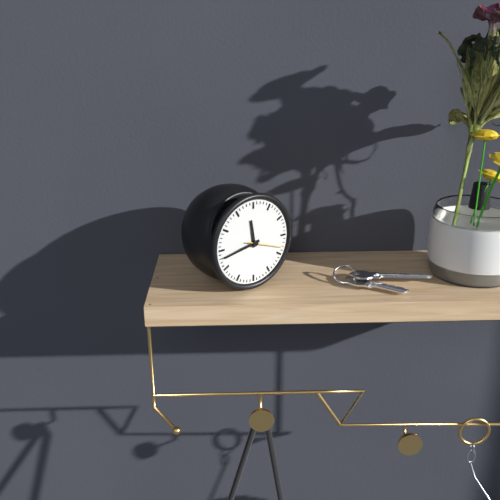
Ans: 11:43
